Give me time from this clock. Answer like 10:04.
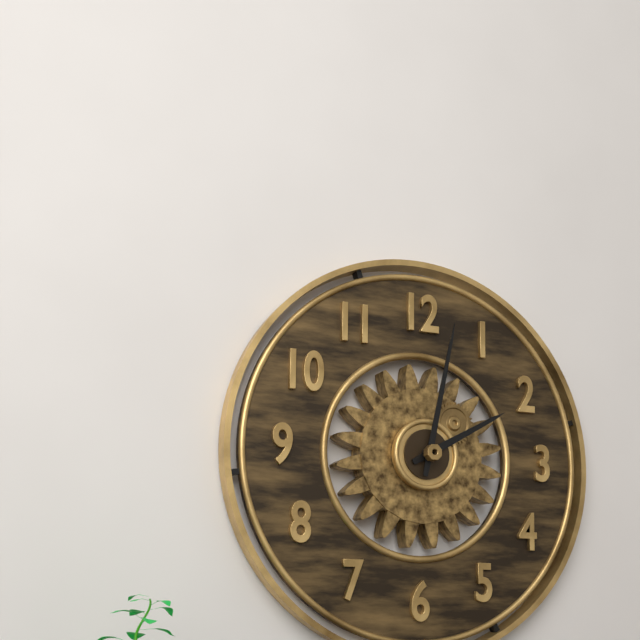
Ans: 2:02
